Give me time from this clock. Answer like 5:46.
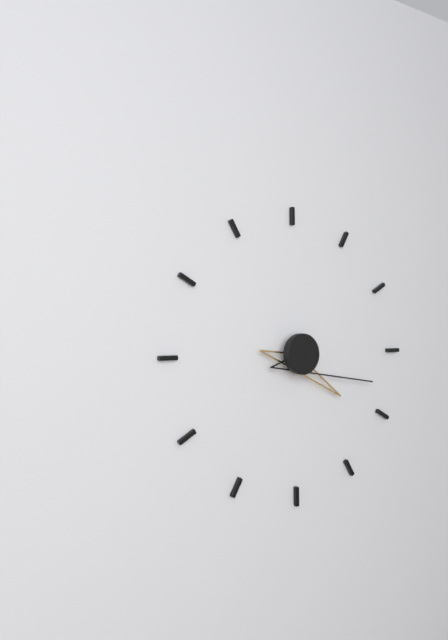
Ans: 4:18
